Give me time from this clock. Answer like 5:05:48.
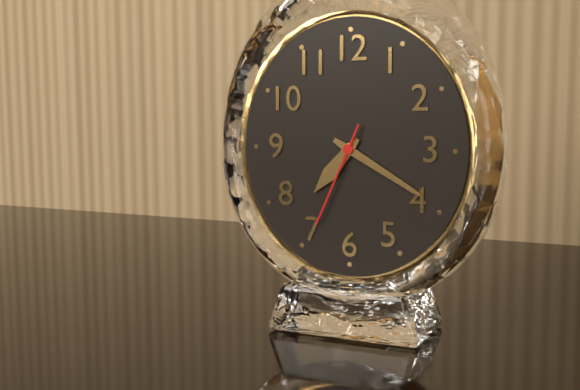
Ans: 7:20:34
